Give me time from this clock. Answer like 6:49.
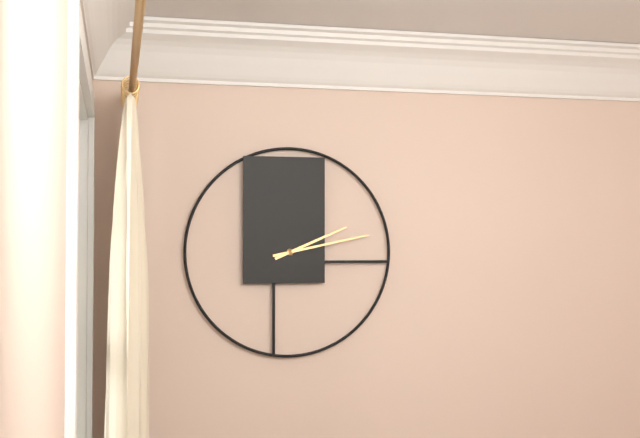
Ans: 2:13
